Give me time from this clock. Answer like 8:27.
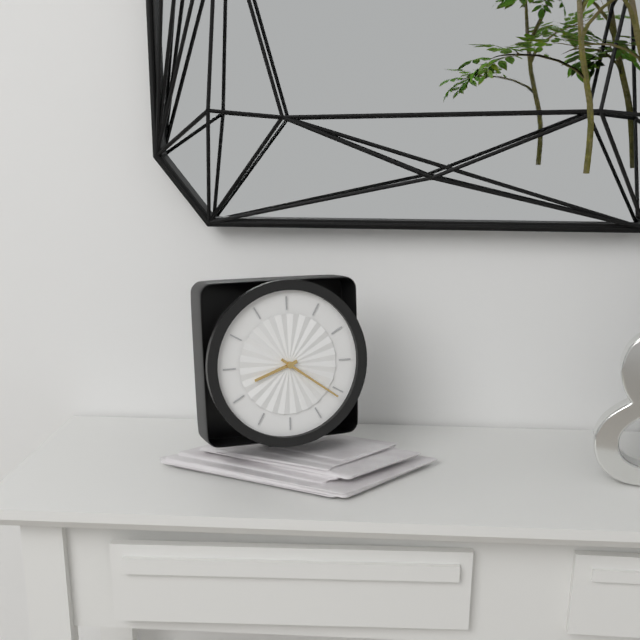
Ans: 8:21
